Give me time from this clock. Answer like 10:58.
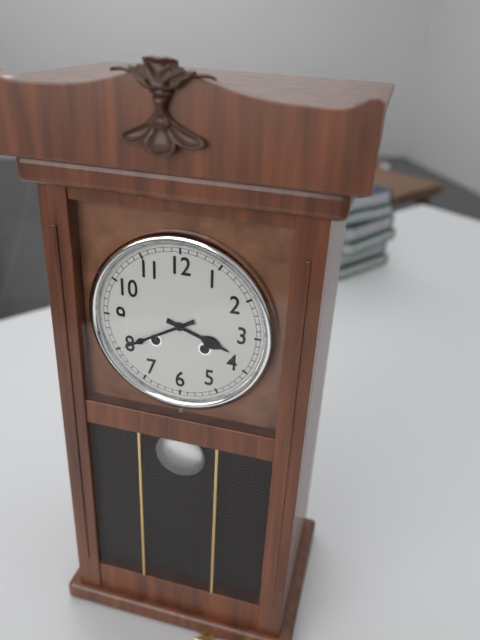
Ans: 3:40
